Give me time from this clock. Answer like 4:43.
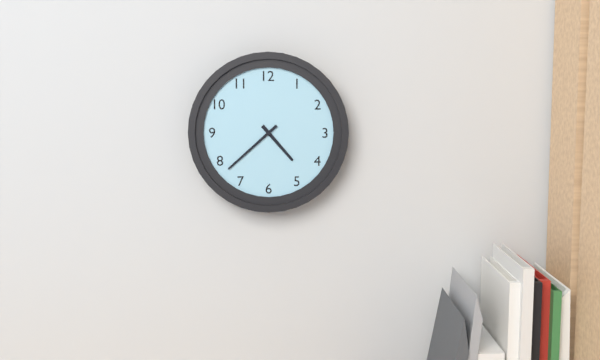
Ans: 4:38
